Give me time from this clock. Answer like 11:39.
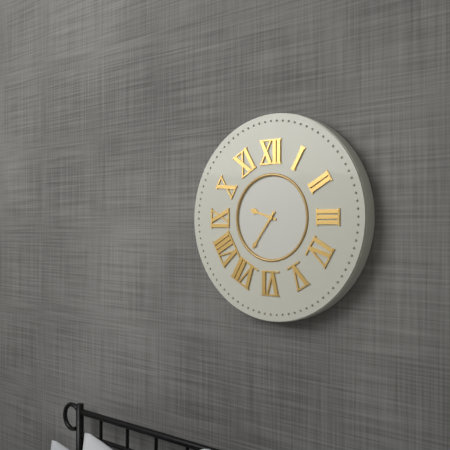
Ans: 9:36
